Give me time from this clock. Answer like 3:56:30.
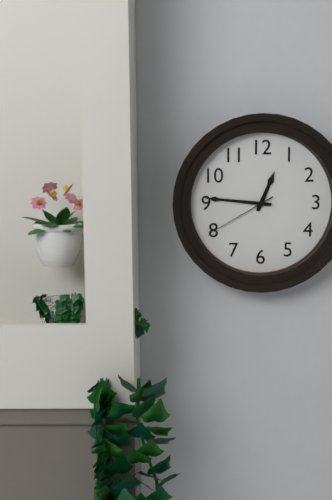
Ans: 12:46:40
